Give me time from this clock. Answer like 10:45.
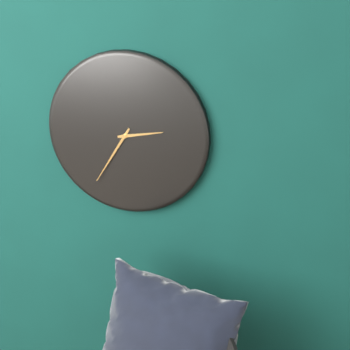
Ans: 2:35
